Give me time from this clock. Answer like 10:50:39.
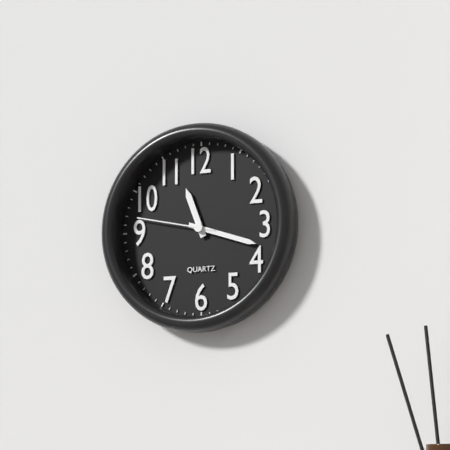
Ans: 11:18:47
